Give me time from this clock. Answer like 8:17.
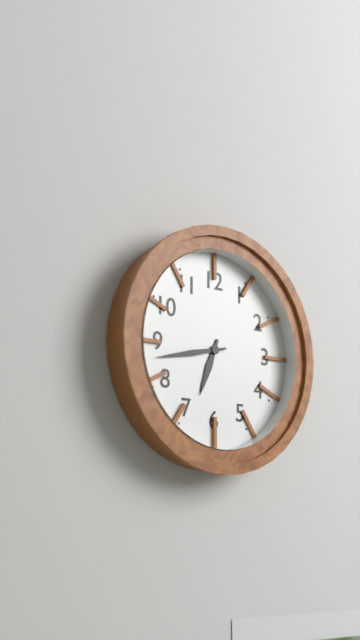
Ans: 6:43
